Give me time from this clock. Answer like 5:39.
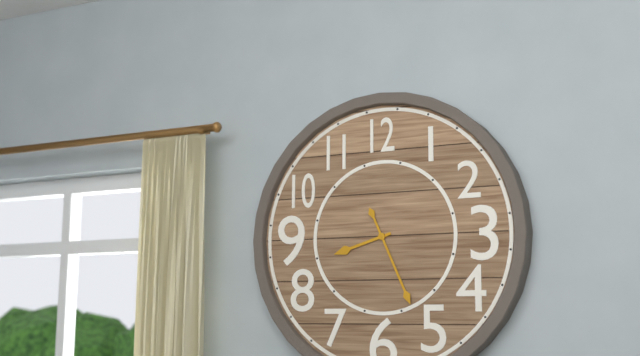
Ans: 8:26
